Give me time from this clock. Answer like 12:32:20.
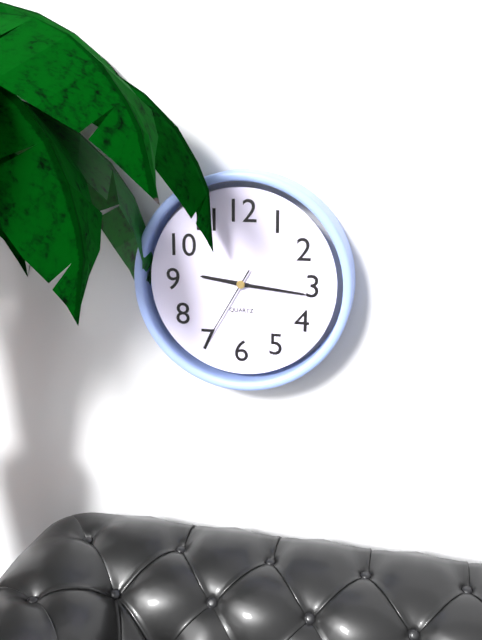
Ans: 9:16:35
